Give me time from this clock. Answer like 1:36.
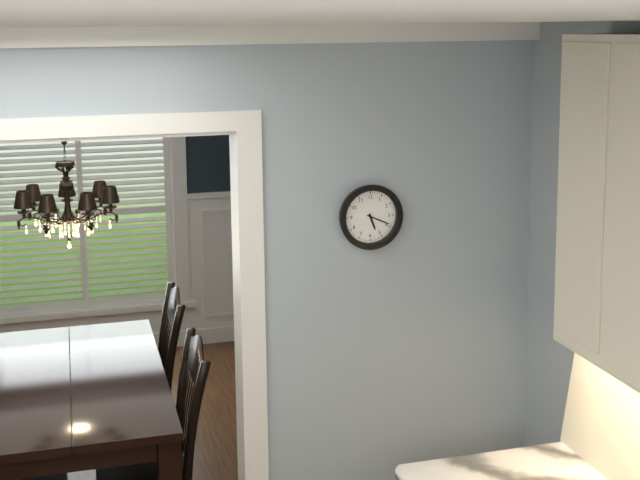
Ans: 5:19
